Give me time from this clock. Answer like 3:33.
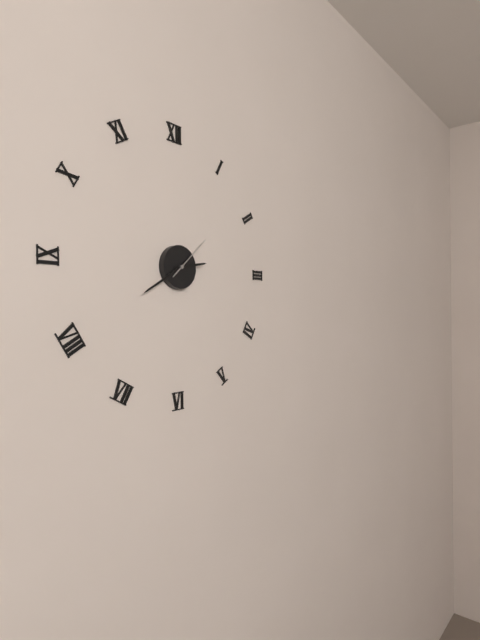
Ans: 2:40
